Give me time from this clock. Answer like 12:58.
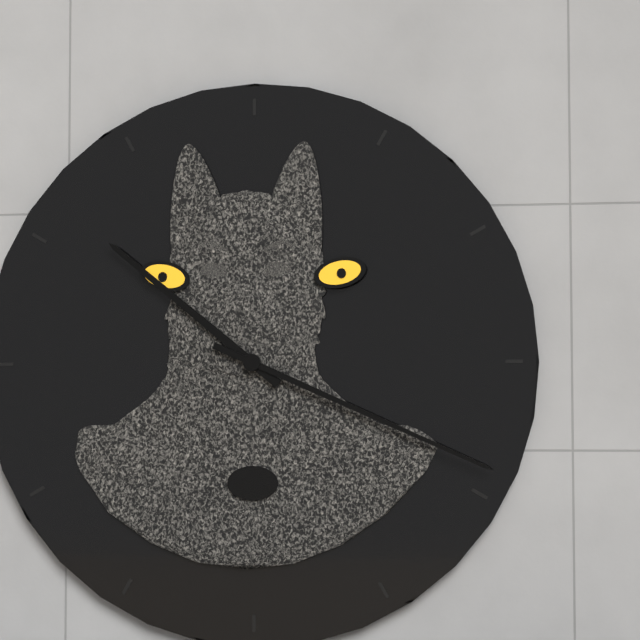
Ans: 10:19
